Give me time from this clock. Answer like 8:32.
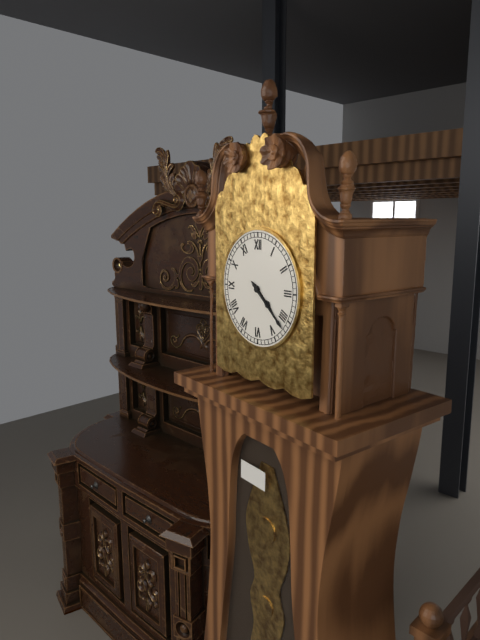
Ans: 4:22
